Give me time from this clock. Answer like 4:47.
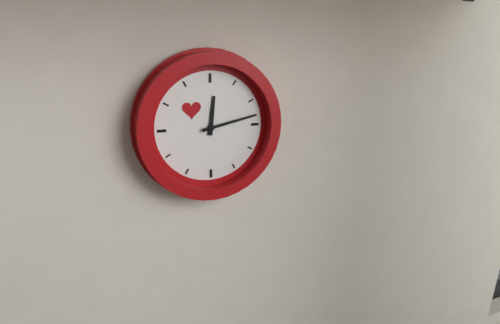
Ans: 12:13
